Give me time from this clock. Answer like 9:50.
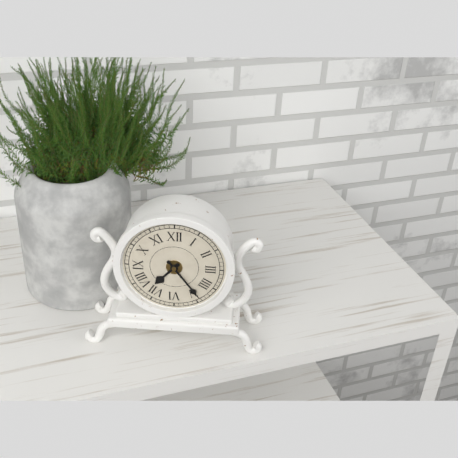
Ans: 7:24
